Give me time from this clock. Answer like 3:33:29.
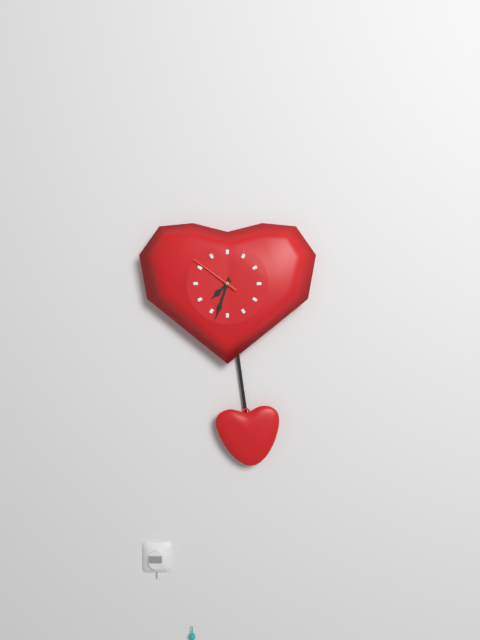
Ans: 7:33:51
